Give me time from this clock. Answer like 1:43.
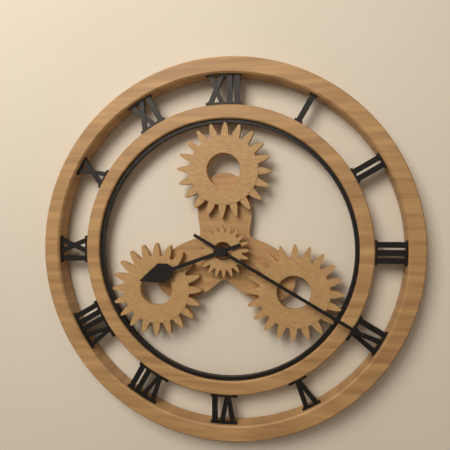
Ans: 8:20
